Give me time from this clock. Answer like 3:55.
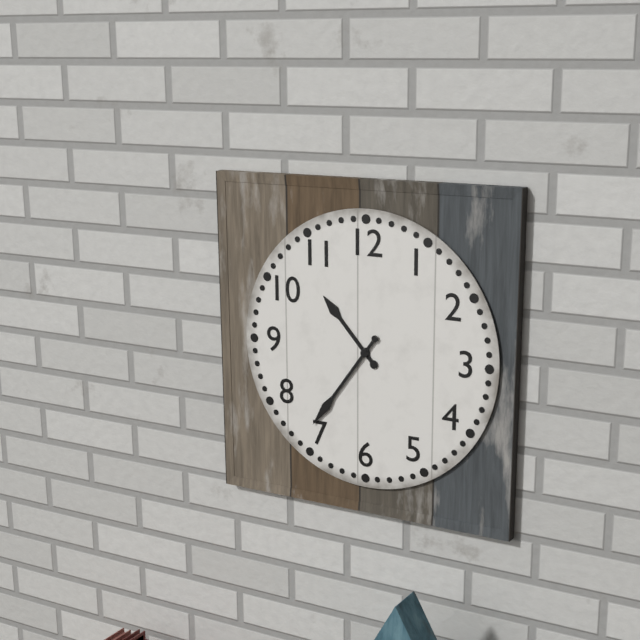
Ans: 10:36
